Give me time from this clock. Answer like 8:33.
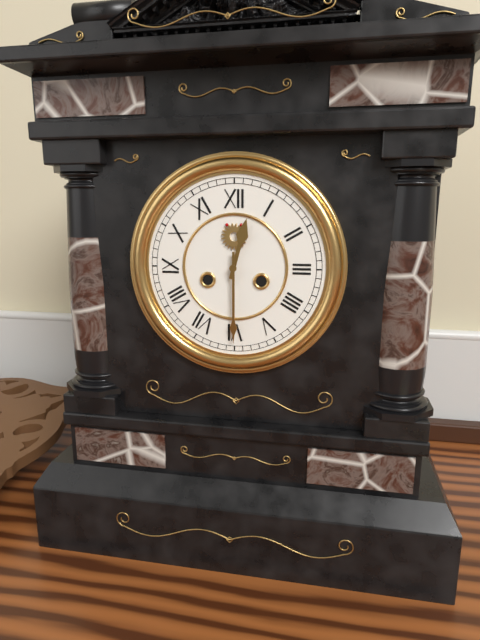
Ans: 12:30
